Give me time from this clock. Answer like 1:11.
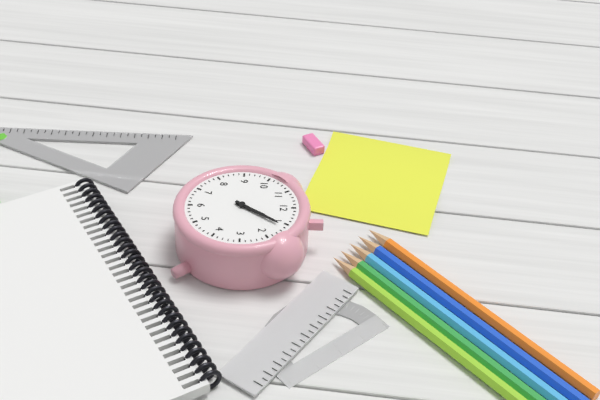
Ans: 1:06
